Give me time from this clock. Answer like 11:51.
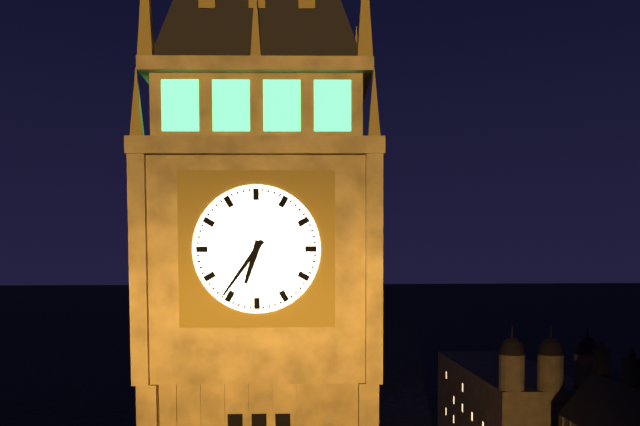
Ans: 6:36
